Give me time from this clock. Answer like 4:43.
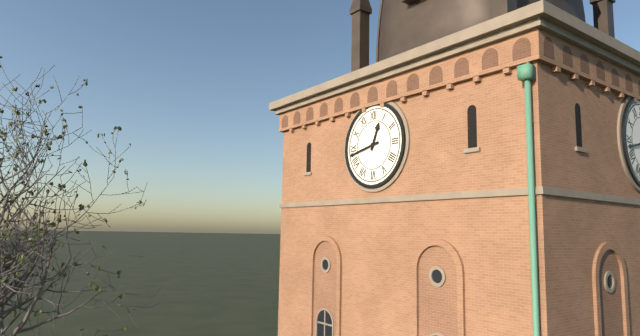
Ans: 12:43
